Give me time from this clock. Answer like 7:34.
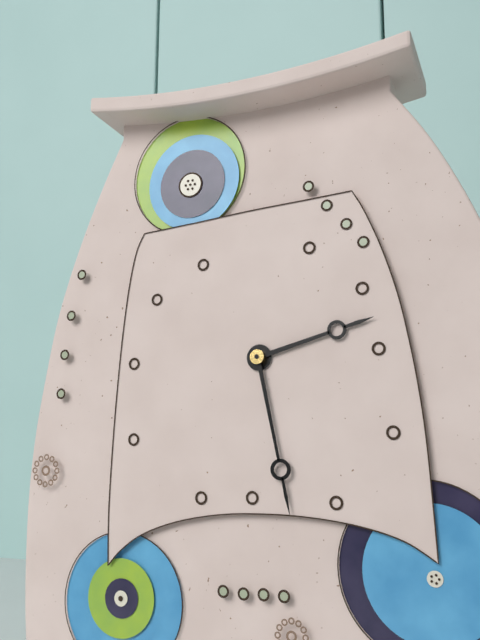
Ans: 2:28
